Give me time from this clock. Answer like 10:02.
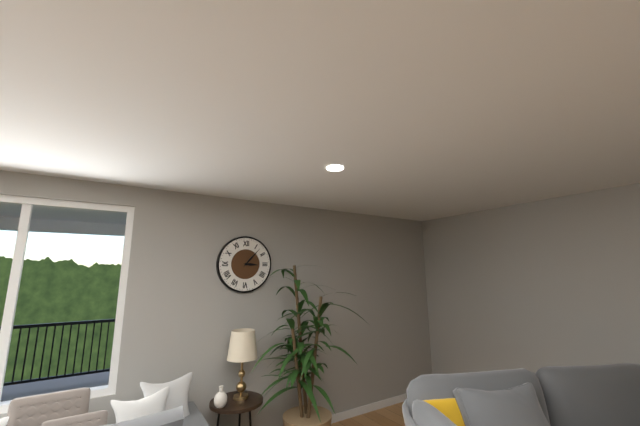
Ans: 3:07
